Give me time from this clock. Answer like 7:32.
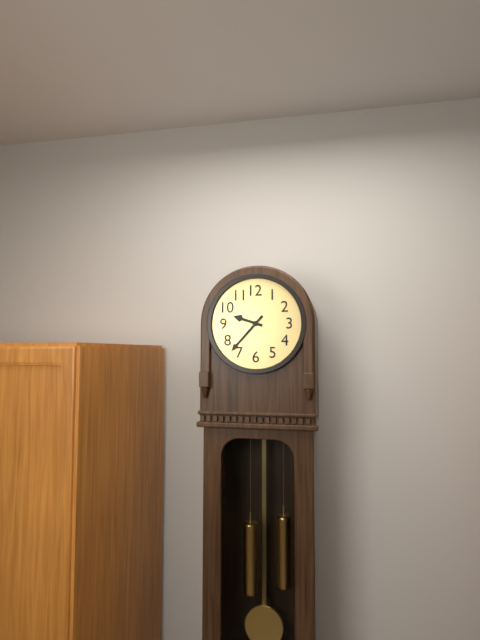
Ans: 9:37
